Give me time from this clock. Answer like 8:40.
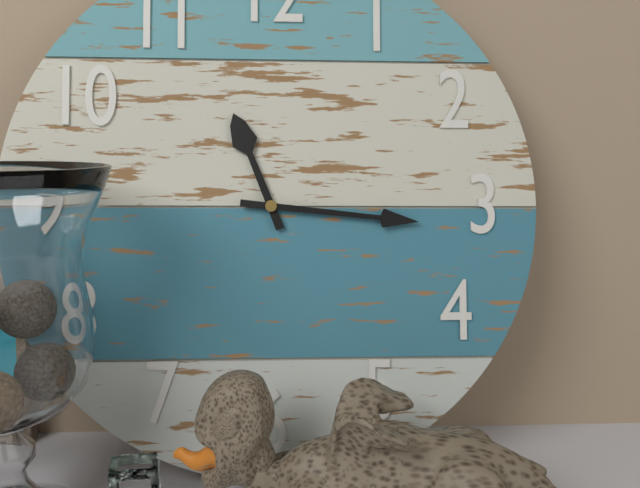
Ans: 11:16
